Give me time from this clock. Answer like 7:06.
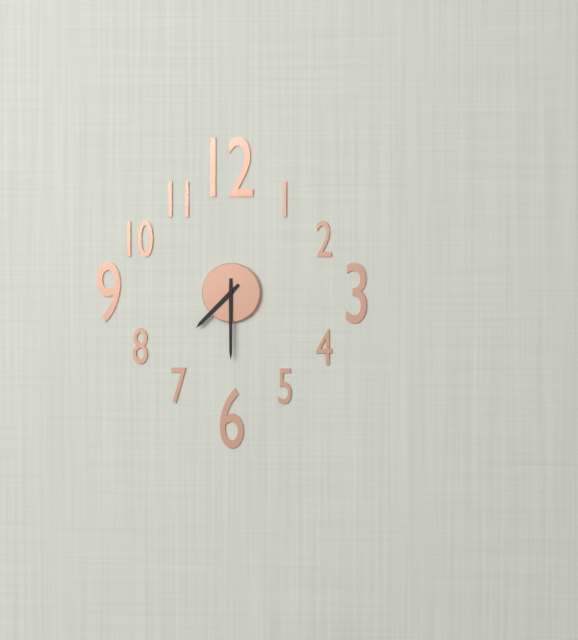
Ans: 7:30
